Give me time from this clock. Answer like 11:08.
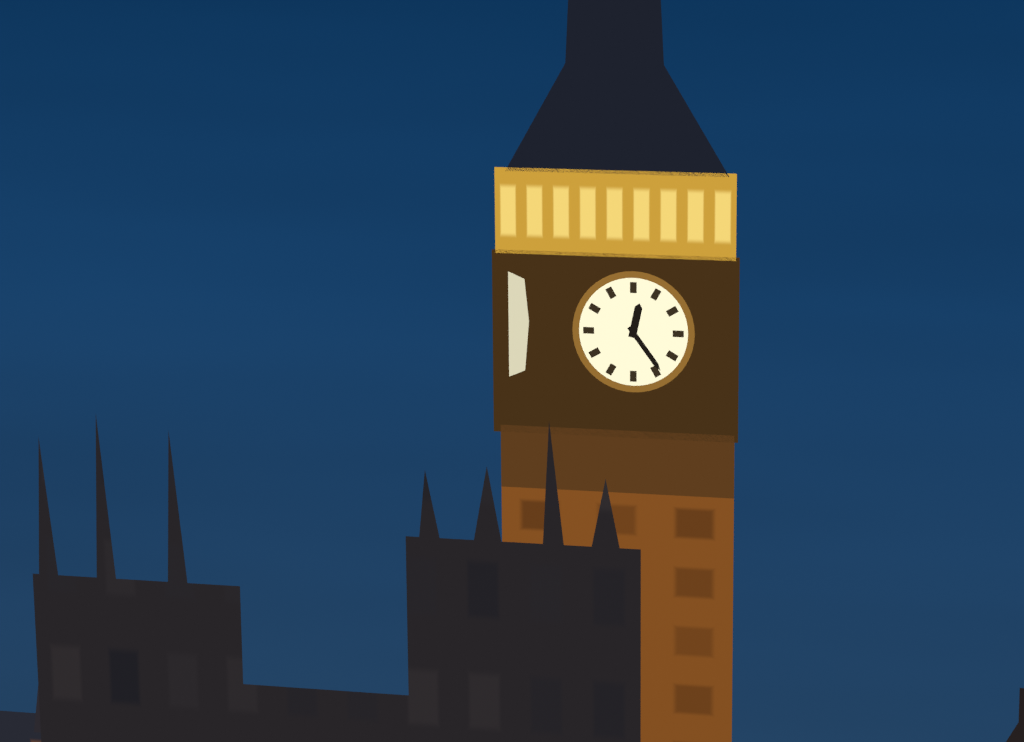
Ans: 12:24
